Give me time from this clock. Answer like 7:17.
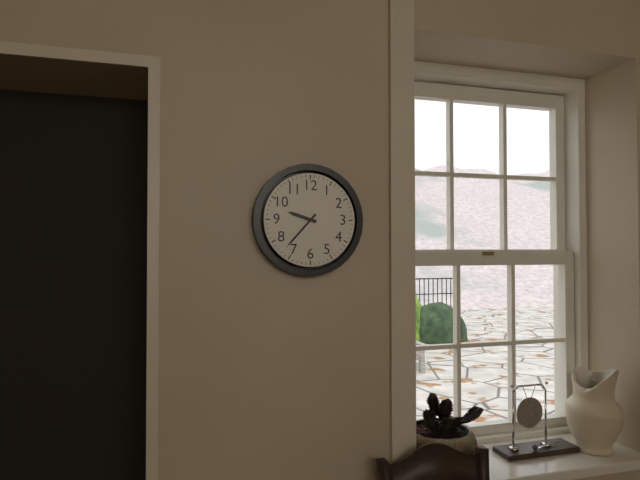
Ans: 9:37
